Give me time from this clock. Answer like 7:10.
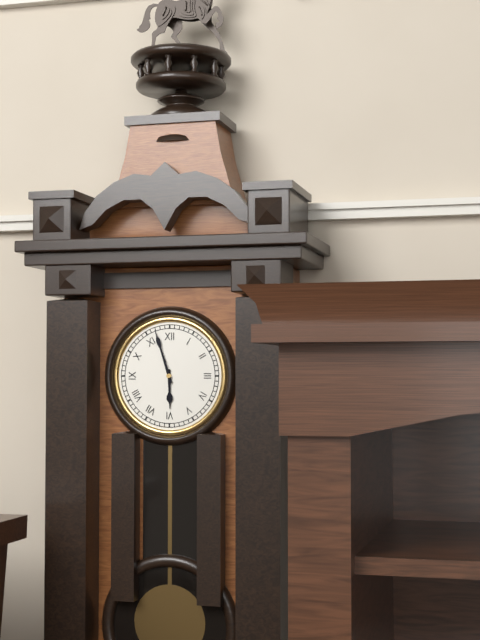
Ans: 5:57
